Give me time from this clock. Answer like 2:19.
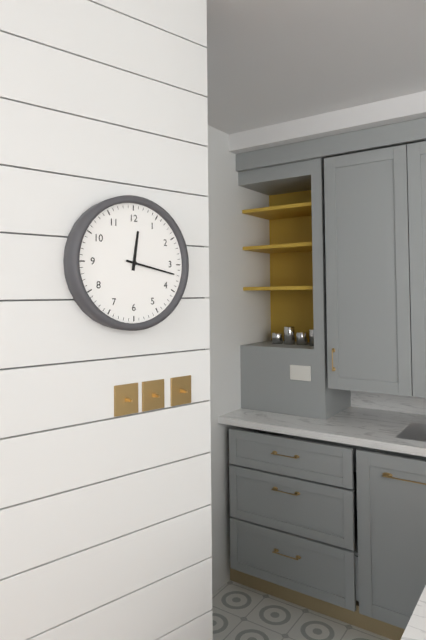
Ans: 12:17
